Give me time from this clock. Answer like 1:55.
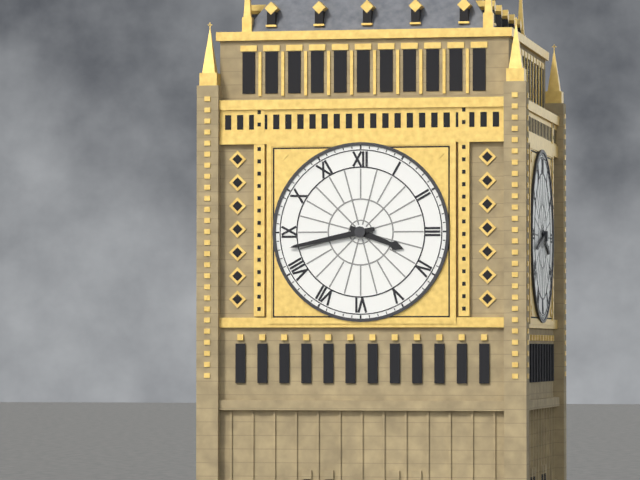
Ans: 3:43
